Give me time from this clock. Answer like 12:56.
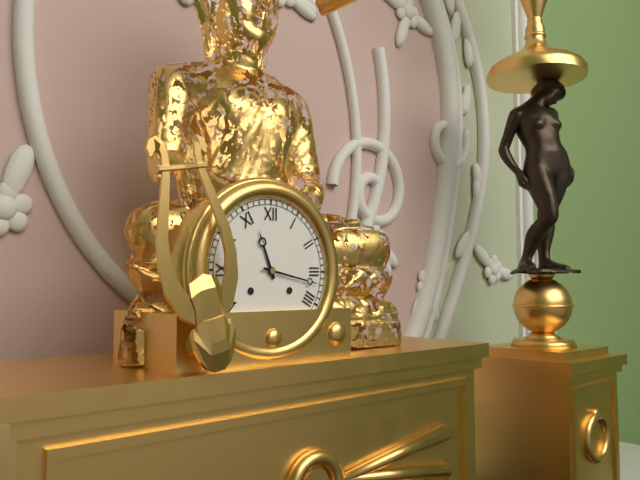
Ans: 11:17
